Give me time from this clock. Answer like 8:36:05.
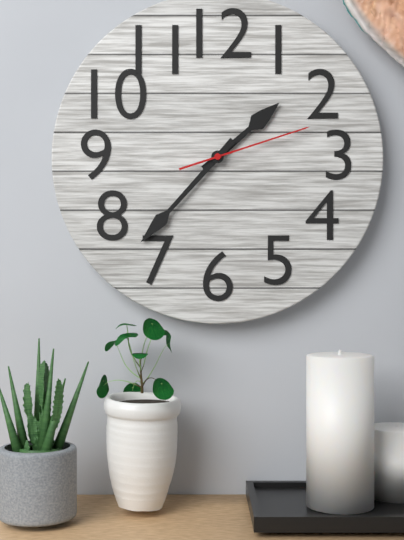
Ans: 1:37:12
